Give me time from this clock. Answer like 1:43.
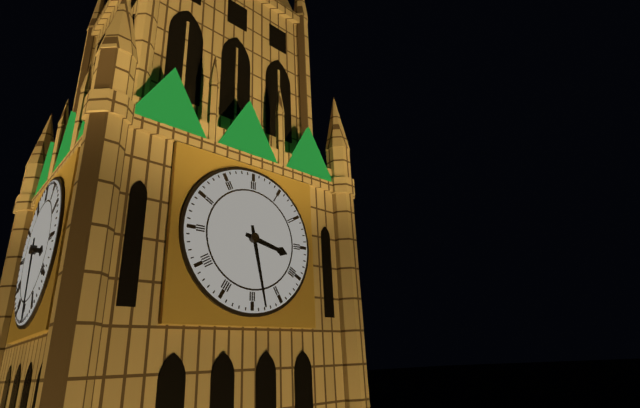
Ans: 3:28
